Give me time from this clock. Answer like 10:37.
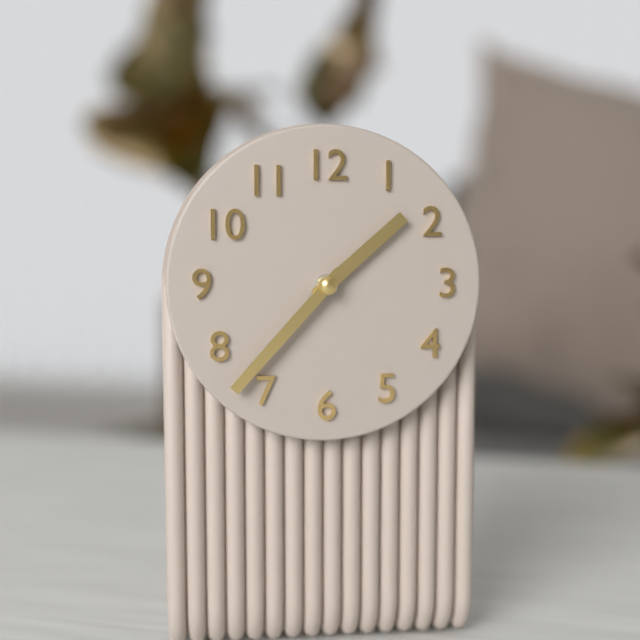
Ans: 1:37
